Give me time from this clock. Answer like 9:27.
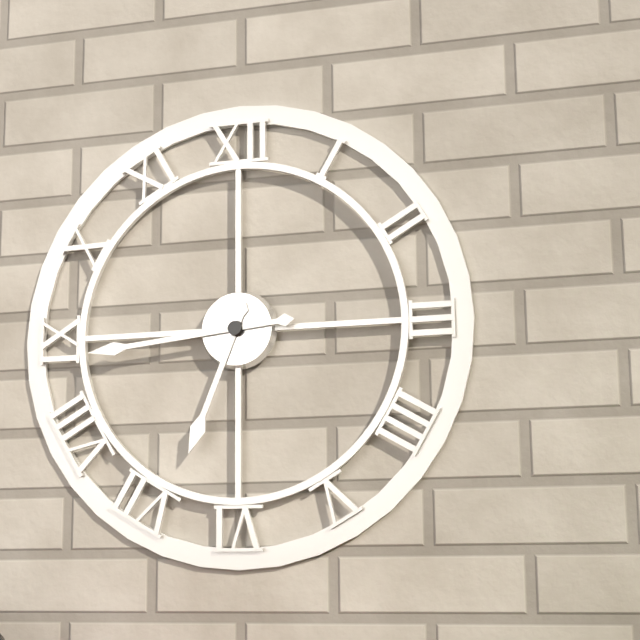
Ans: 6:44
